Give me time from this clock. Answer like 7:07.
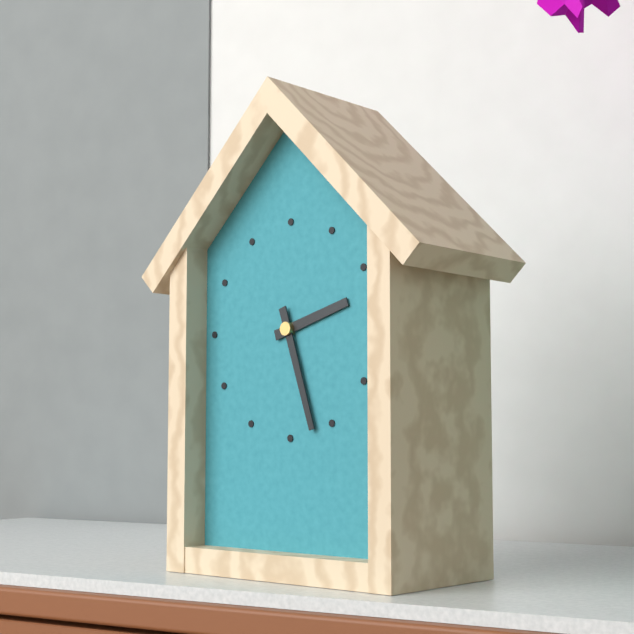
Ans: 2:27
